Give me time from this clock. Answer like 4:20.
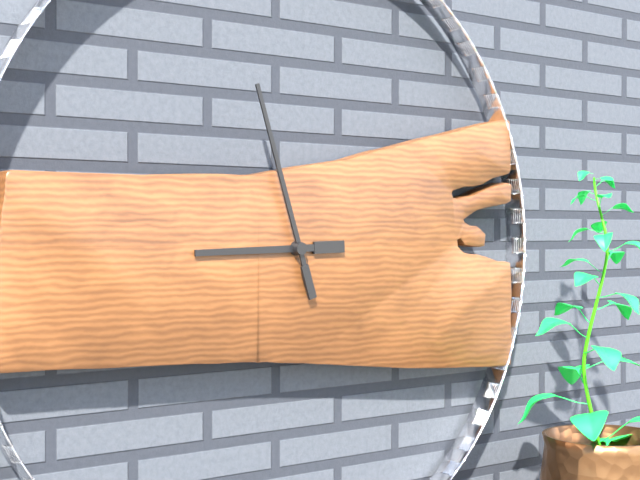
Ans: 8:57
